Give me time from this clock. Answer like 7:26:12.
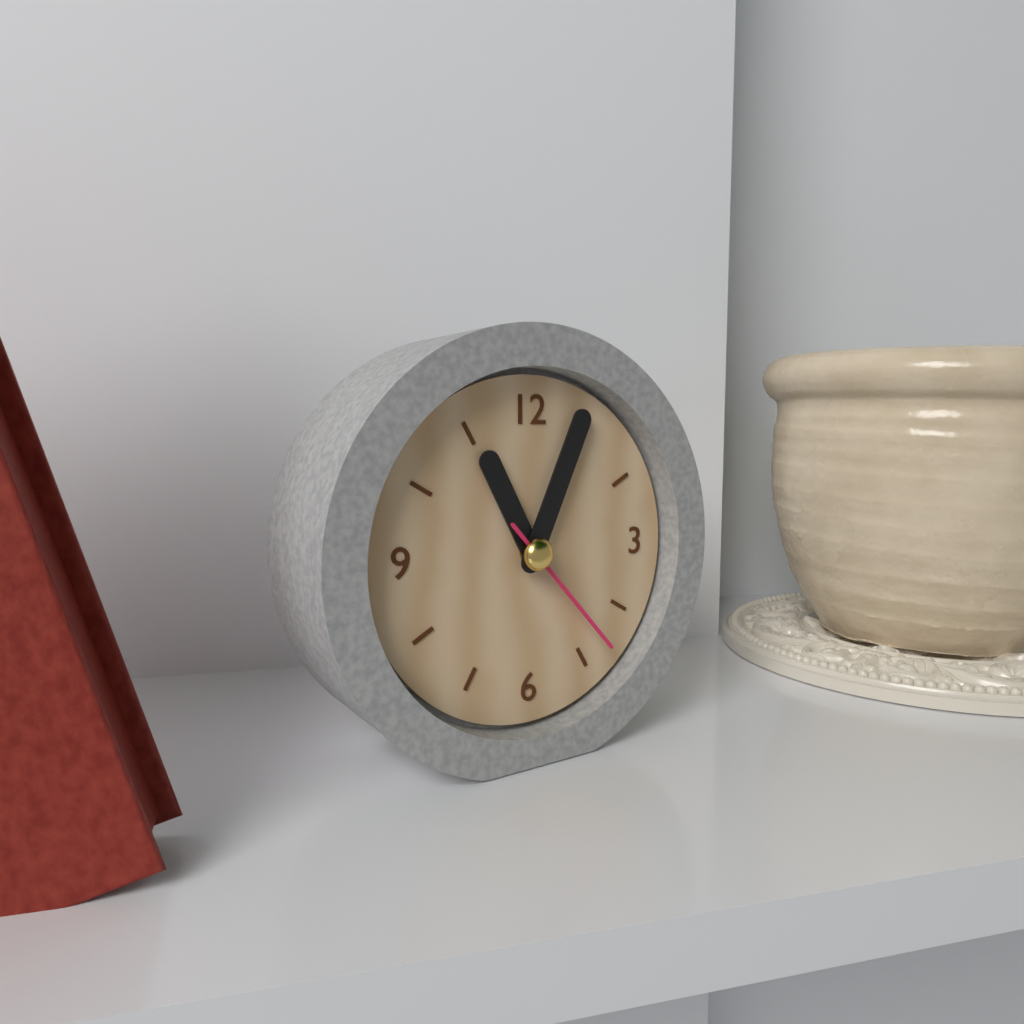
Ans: 11:04:23
